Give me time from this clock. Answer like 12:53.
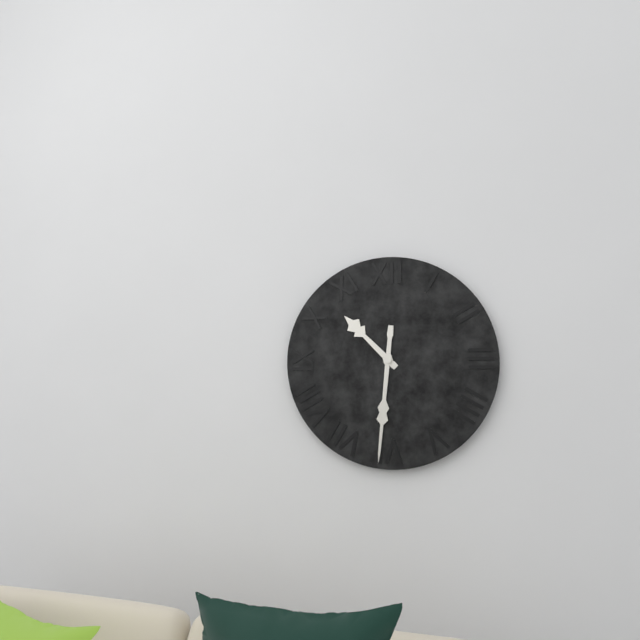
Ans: 10:31
